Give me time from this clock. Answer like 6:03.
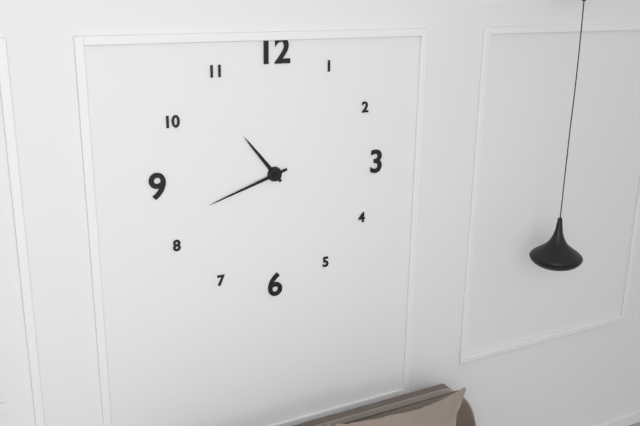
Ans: 10:42
